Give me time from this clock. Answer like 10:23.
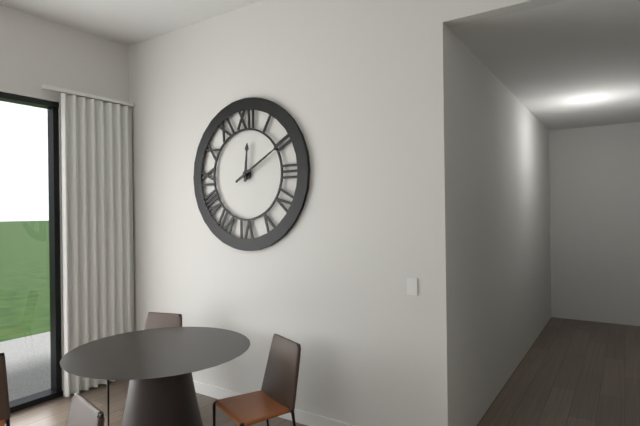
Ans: 12:10
